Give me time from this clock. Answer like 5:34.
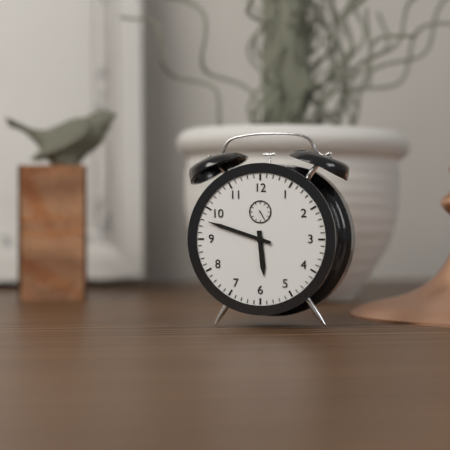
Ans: 5:48
